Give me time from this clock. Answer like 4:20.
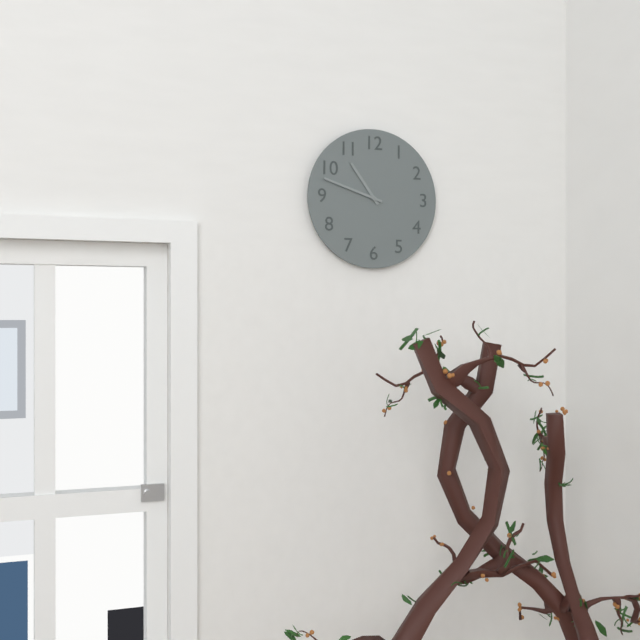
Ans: 10:48
